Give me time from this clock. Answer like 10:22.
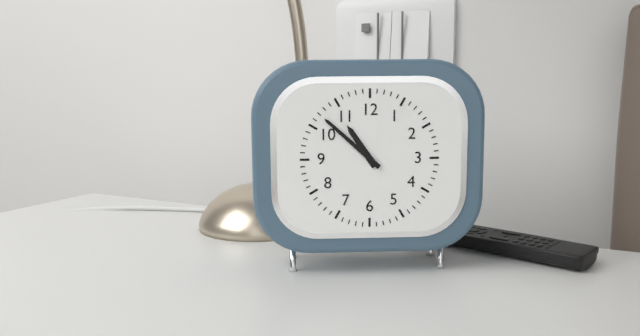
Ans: 10:52
